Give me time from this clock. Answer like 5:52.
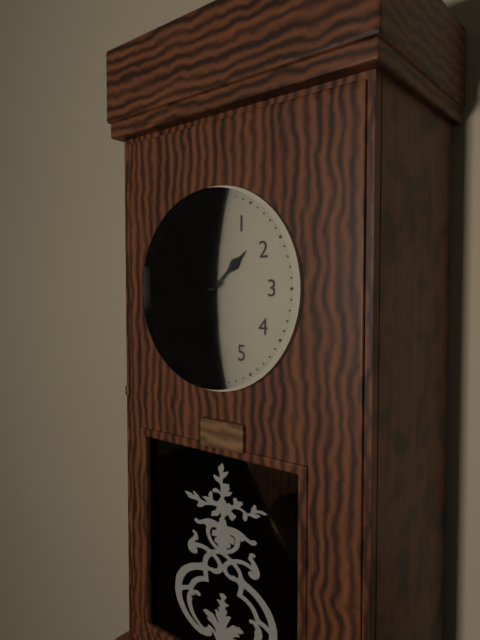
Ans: 1:40
